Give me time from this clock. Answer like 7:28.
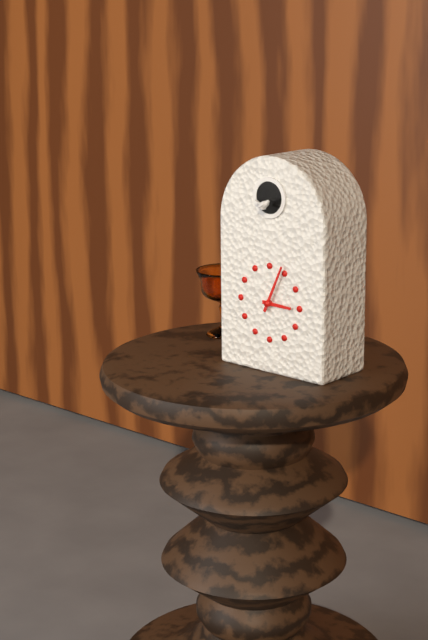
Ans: 3:04
